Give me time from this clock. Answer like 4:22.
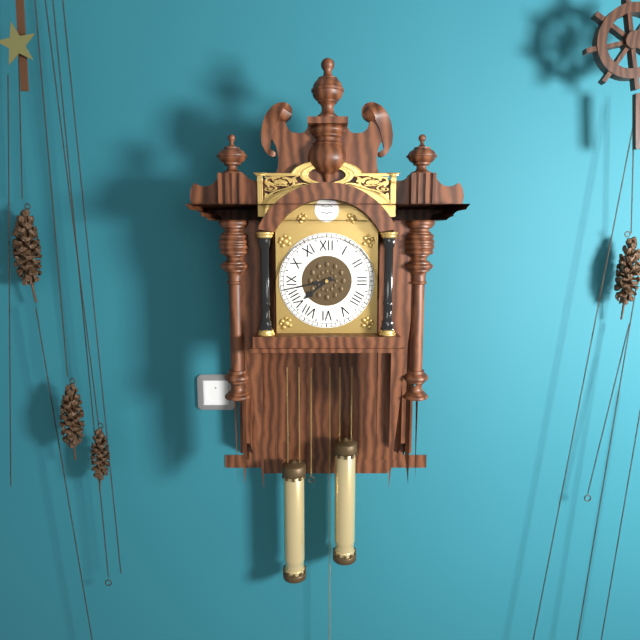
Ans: 7:43
